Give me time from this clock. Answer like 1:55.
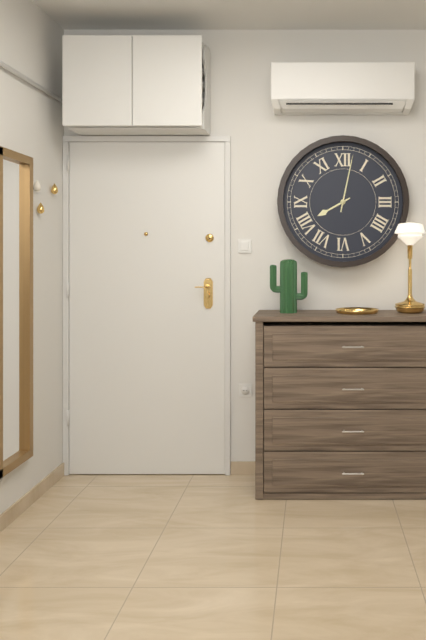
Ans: 8:02
